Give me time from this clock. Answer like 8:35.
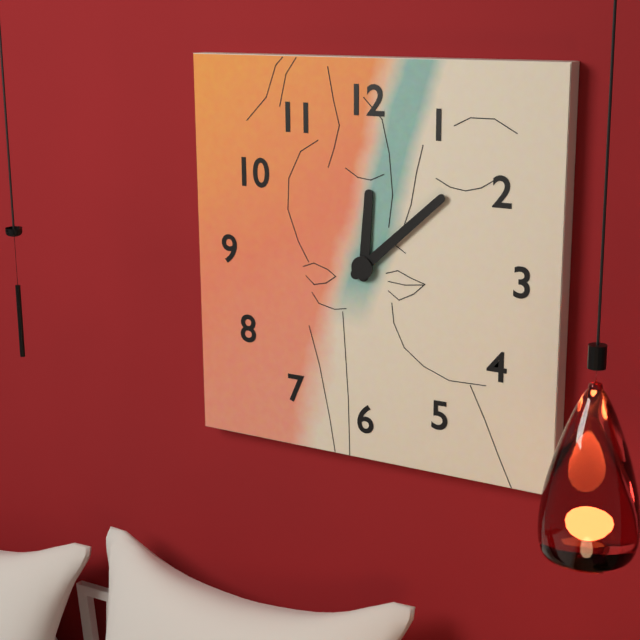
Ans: 12:08
